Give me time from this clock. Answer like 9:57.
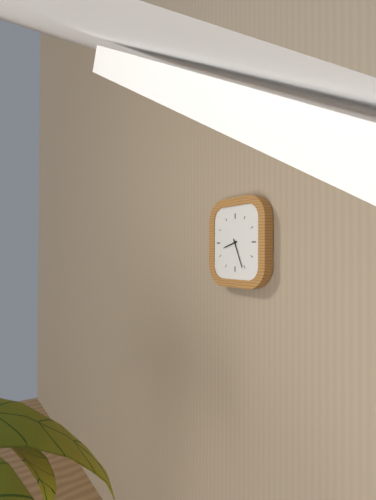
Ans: 8:26
